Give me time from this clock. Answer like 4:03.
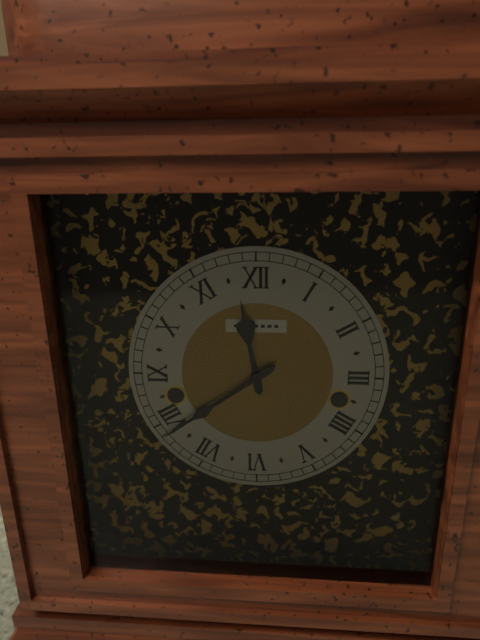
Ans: 11:39
